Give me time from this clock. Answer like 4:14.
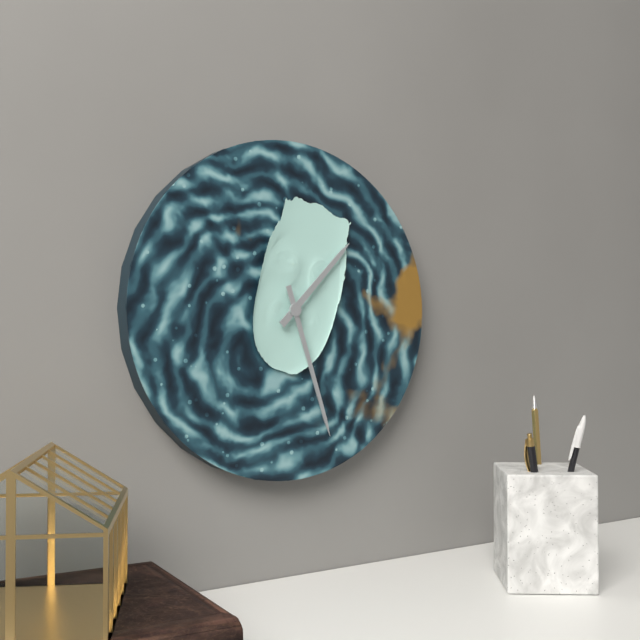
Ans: 1:27
